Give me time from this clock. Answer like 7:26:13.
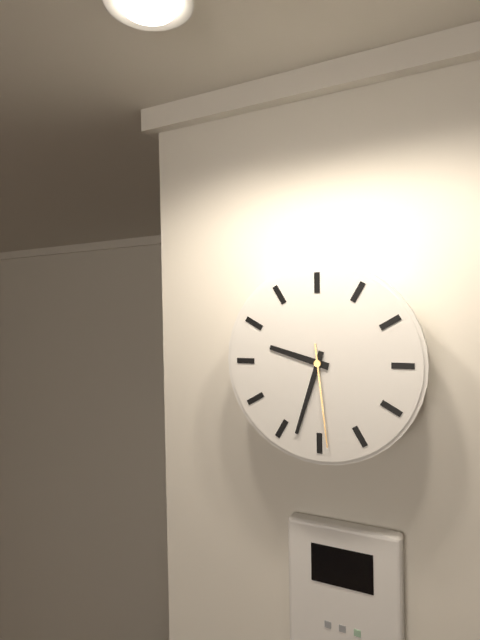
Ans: 9:33:29
